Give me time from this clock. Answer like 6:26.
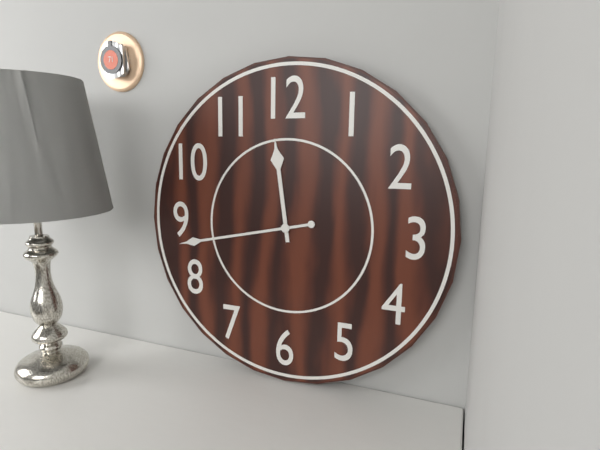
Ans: 11:43
